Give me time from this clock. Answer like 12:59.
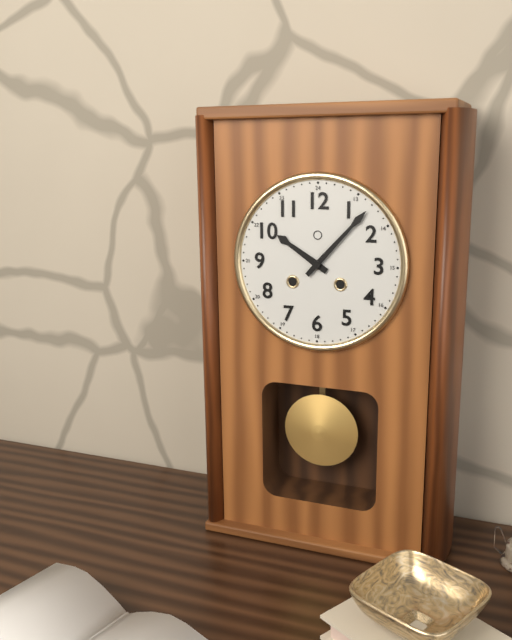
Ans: 10:07
